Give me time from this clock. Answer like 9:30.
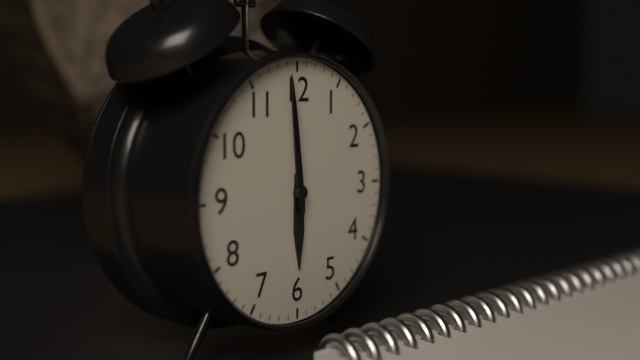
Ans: 5:59
